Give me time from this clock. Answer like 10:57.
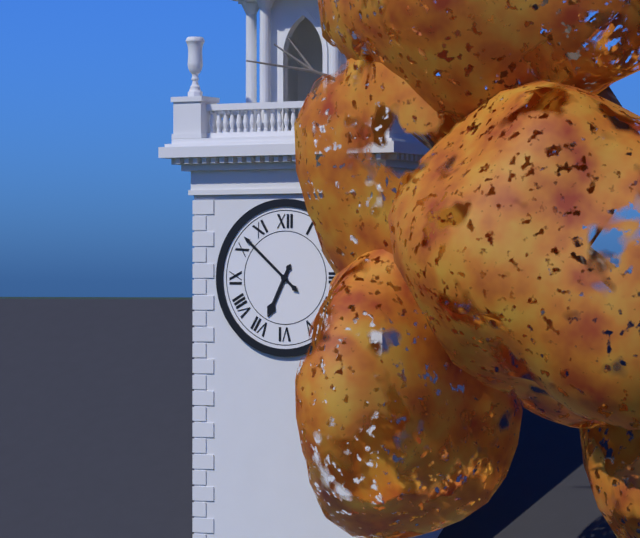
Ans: 6:52
